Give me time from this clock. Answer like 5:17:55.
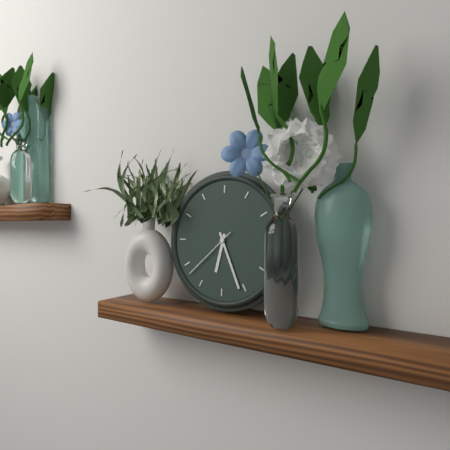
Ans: 6:26:38
